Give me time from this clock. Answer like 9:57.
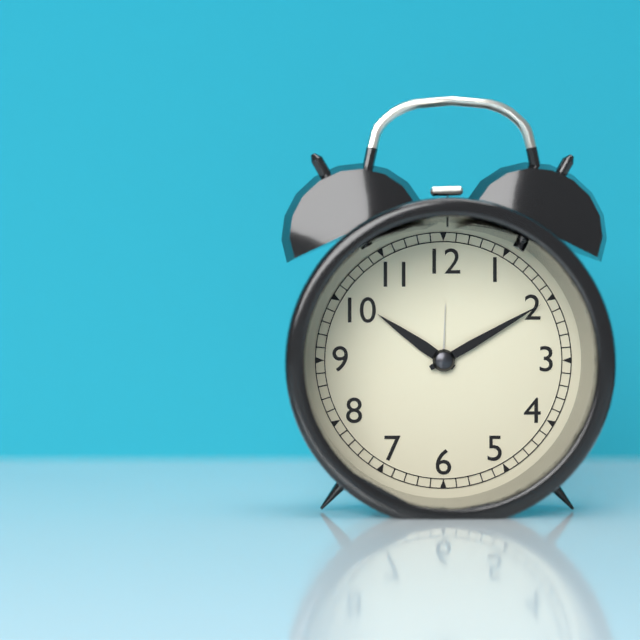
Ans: 10:10
